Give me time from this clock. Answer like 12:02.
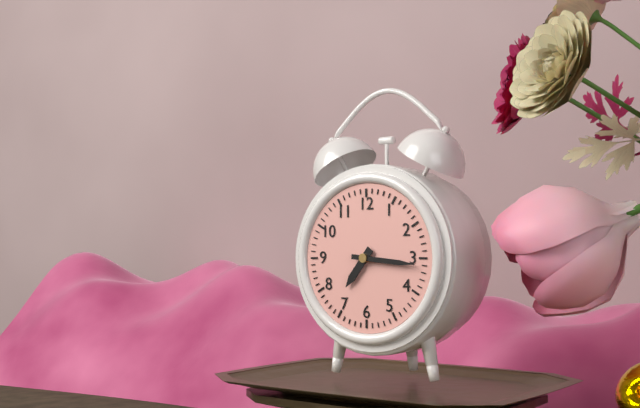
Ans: 7:16
